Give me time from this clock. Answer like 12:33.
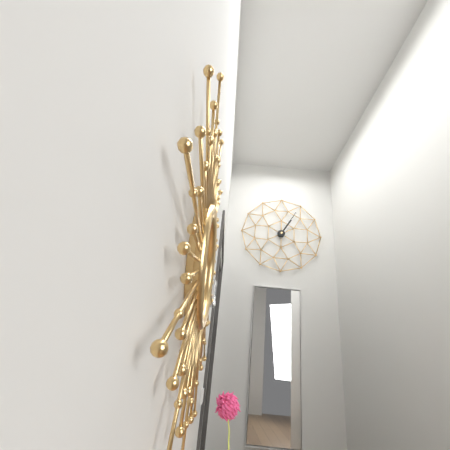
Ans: 1:05
